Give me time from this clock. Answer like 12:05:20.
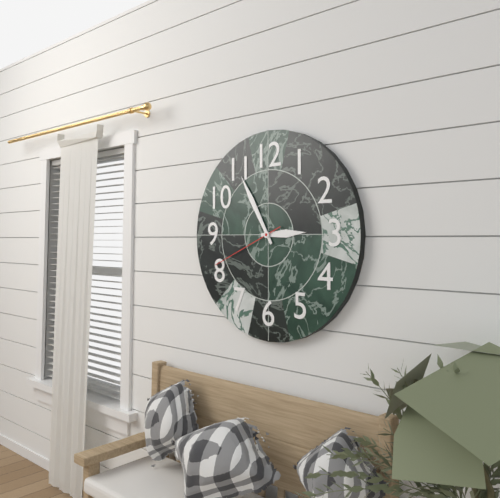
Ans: 2:55:41
